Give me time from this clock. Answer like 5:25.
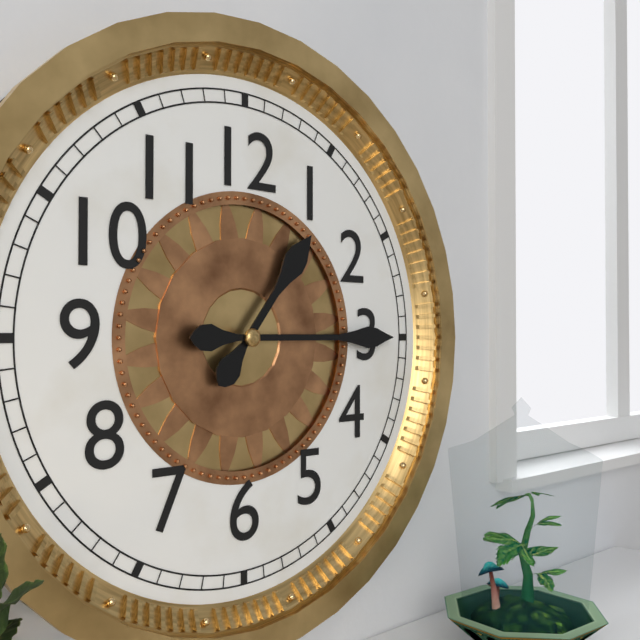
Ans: 1:15
